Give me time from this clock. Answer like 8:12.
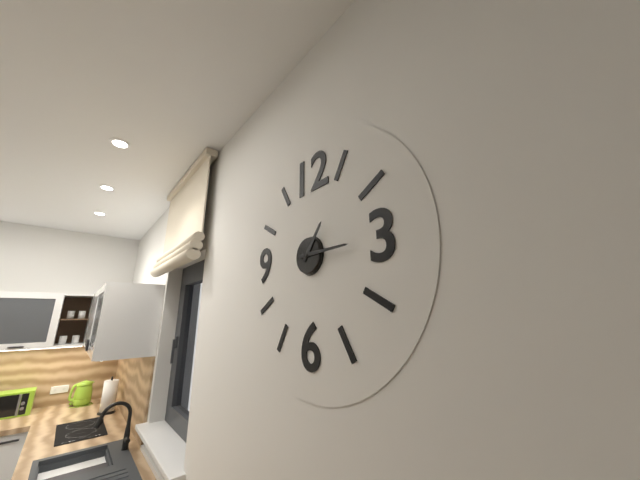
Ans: 1:15
